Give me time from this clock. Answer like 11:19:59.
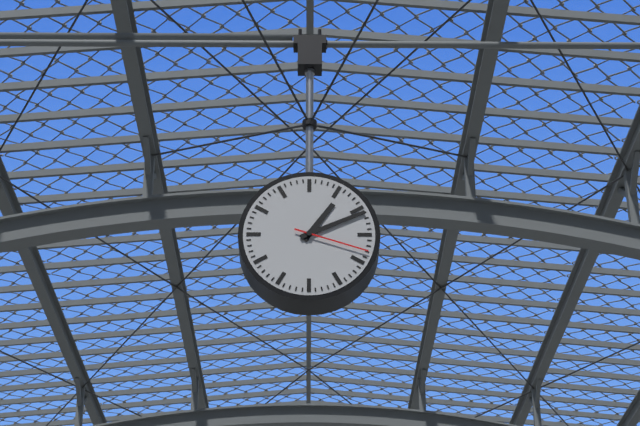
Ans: 1:11:18
